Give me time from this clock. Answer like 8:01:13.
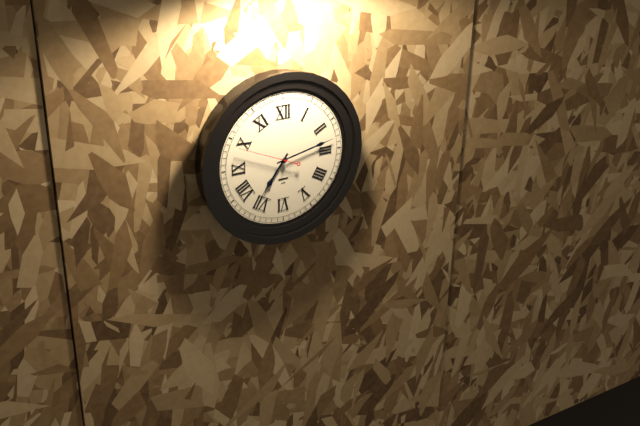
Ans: 7:13:49
